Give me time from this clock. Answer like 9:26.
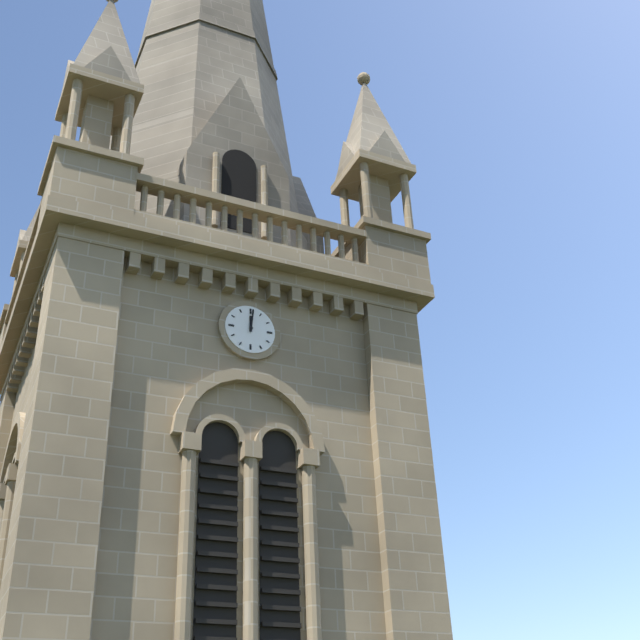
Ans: 12:01
